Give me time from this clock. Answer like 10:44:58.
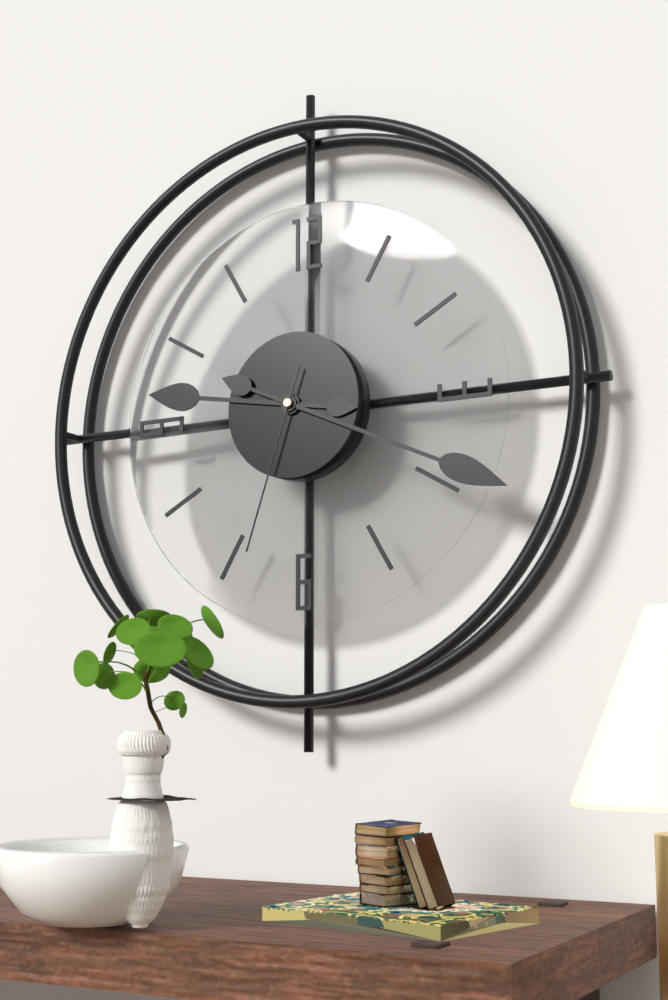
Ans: 9:19:33
